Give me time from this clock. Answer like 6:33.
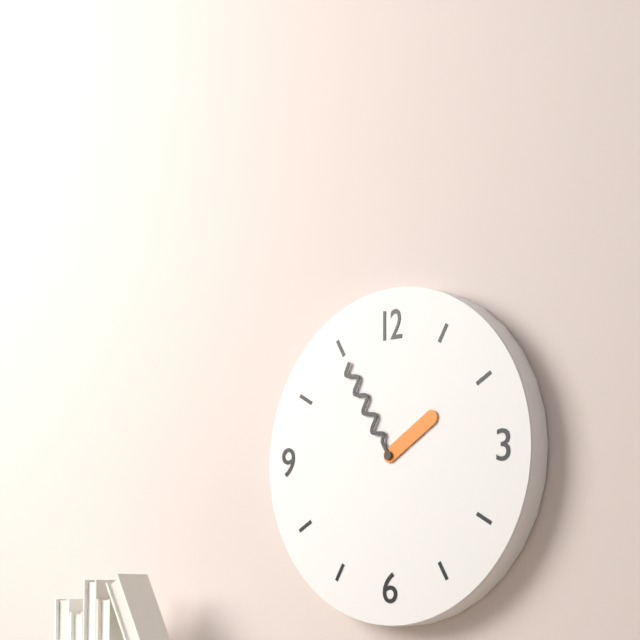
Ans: 1:55
